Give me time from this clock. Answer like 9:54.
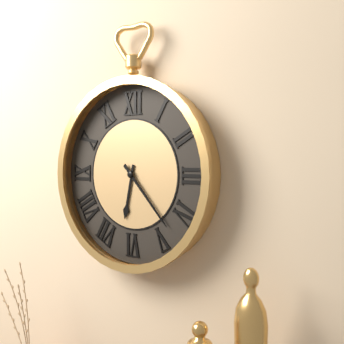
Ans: 6:23
